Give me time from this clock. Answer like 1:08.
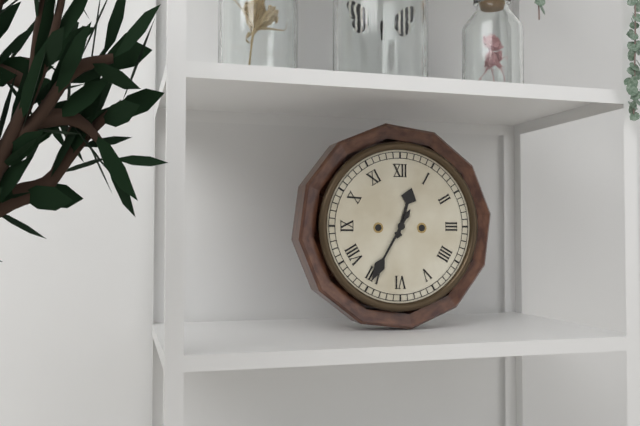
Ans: 12:35
